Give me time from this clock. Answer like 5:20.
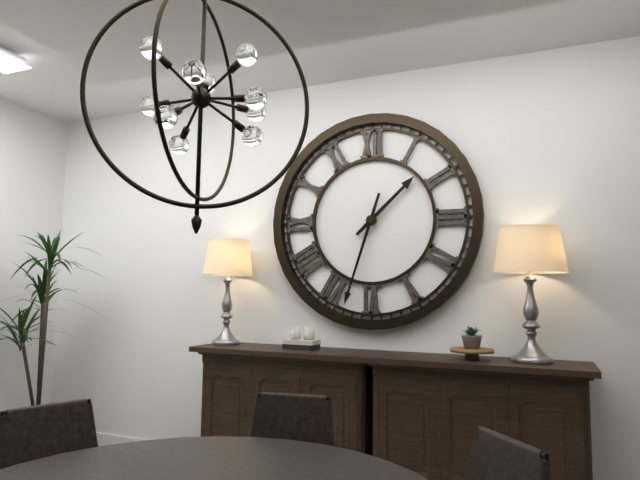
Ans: 1:33
